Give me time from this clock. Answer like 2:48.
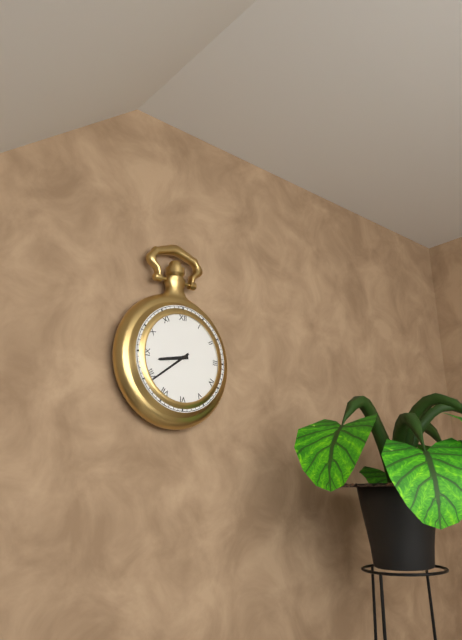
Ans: 8:39
